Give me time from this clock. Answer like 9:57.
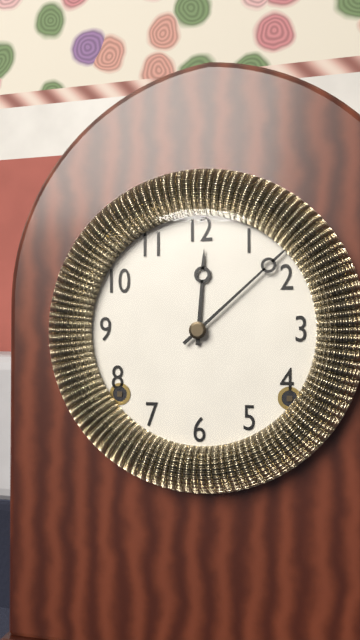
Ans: 12:08
